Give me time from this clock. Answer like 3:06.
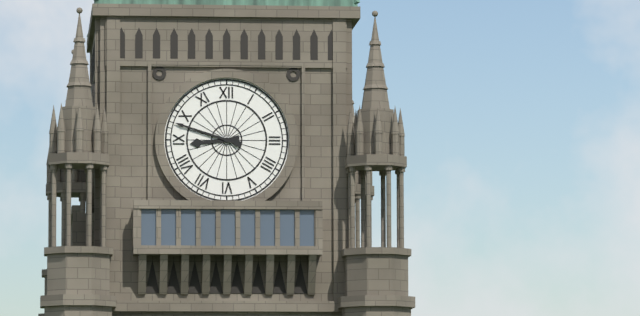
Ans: 8:48
